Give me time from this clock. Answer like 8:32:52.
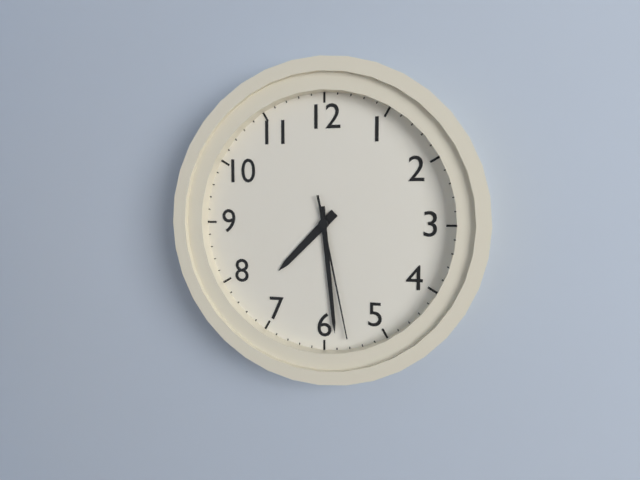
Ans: 7:29:28
